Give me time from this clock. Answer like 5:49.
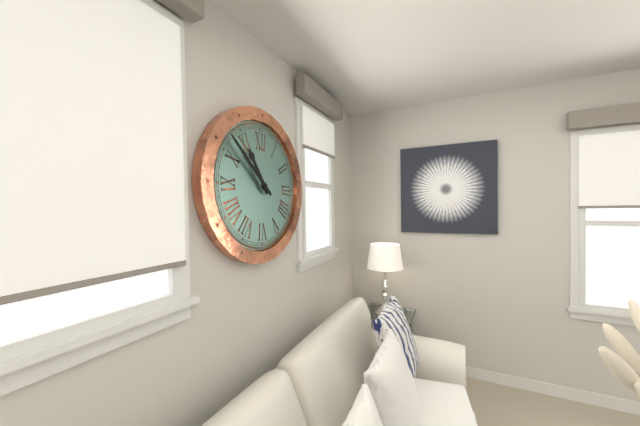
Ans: 10:52
